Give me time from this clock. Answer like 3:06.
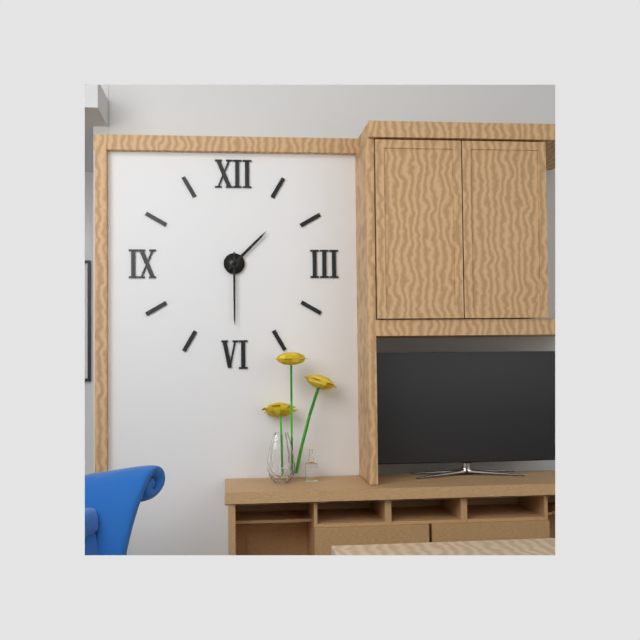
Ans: 1:30
